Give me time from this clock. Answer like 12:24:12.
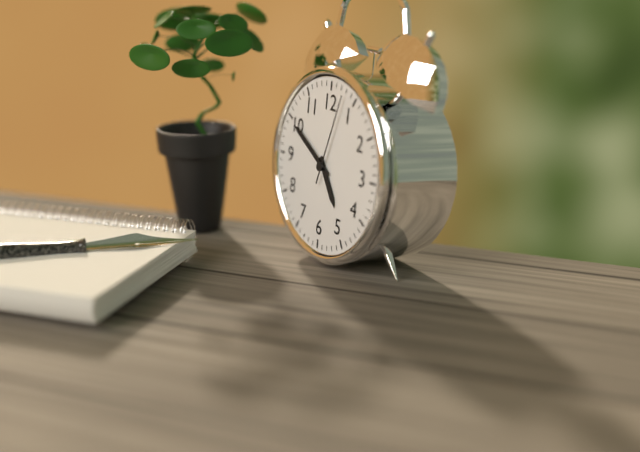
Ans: 4:50:03
